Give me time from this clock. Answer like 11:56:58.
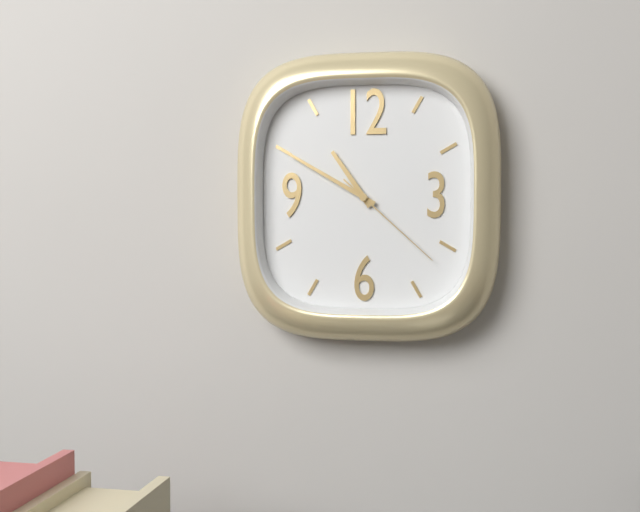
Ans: 10:50:22
